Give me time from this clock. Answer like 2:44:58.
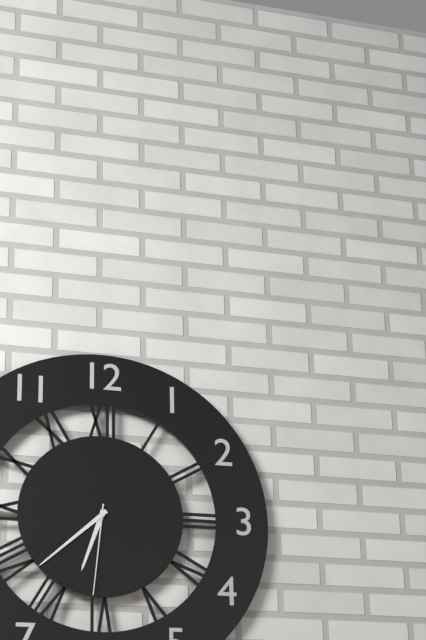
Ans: 6:38:31
